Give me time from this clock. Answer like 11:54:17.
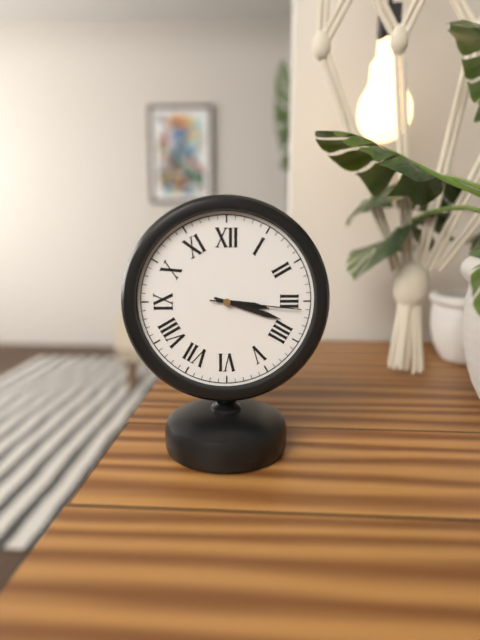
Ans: 3:18:16
